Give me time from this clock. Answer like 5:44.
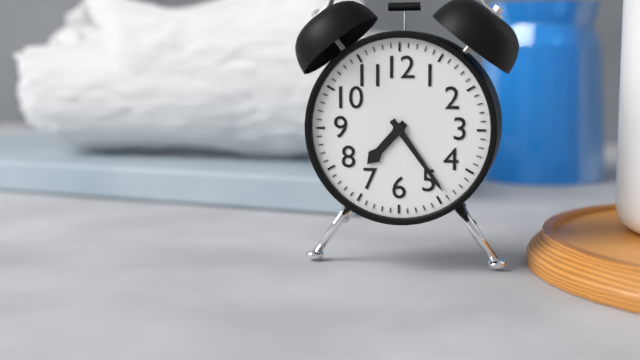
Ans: 7:24
